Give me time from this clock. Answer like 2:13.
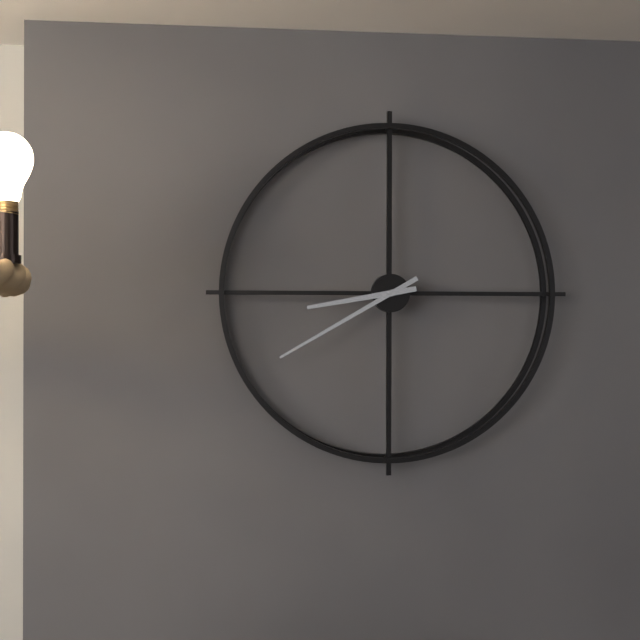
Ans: 8:40
